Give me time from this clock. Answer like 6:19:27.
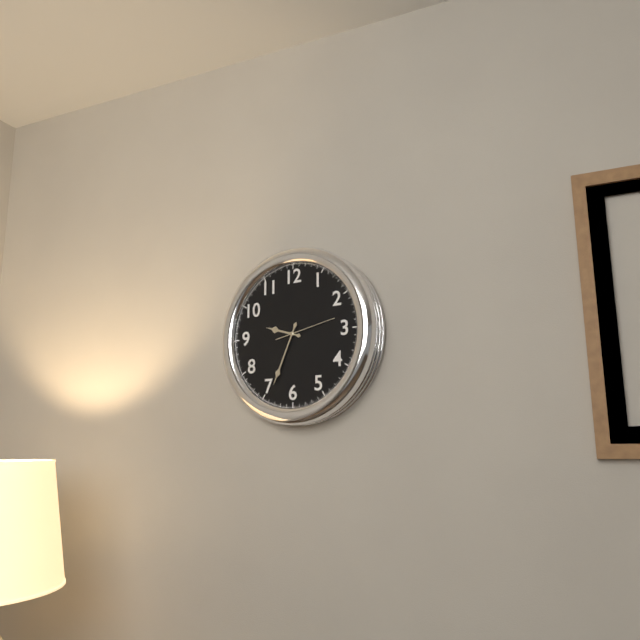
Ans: 9:34:13
